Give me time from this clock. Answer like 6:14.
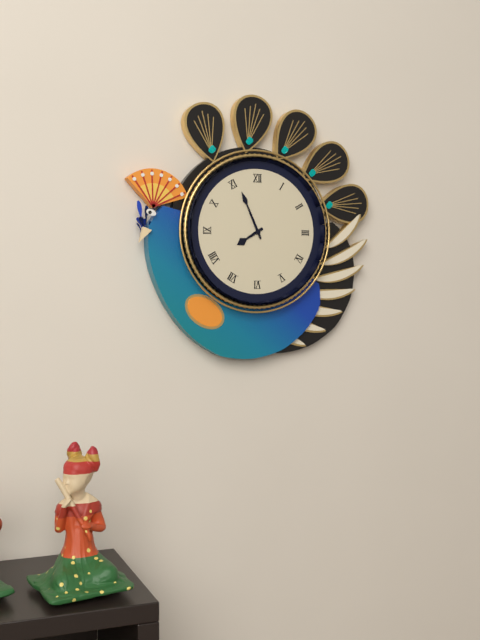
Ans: 7:56
